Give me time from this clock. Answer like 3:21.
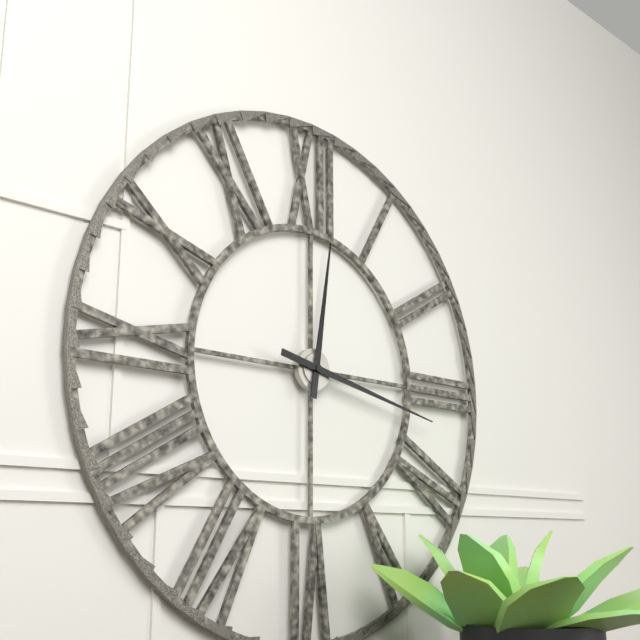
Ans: 12:17
